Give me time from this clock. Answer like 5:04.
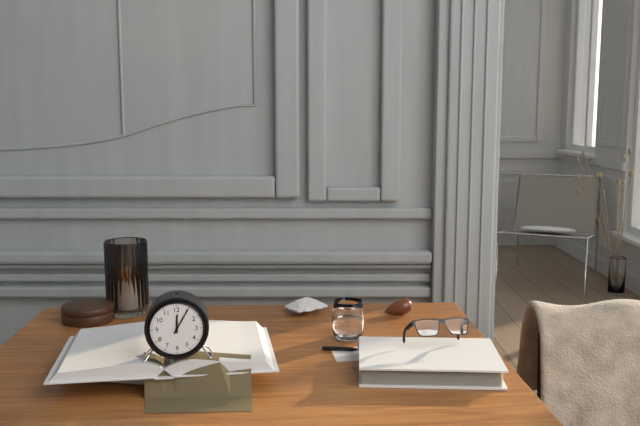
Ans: 12:05
